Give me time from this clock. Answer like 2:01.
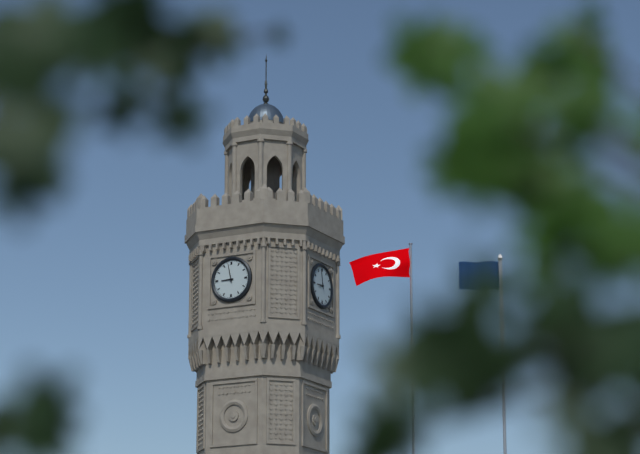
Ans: 8:58
